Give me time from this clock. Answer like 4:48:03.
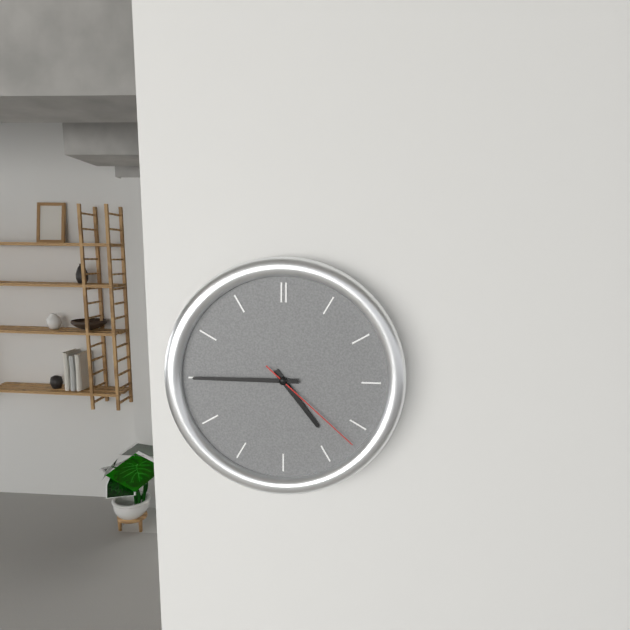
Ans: 4:45:22
